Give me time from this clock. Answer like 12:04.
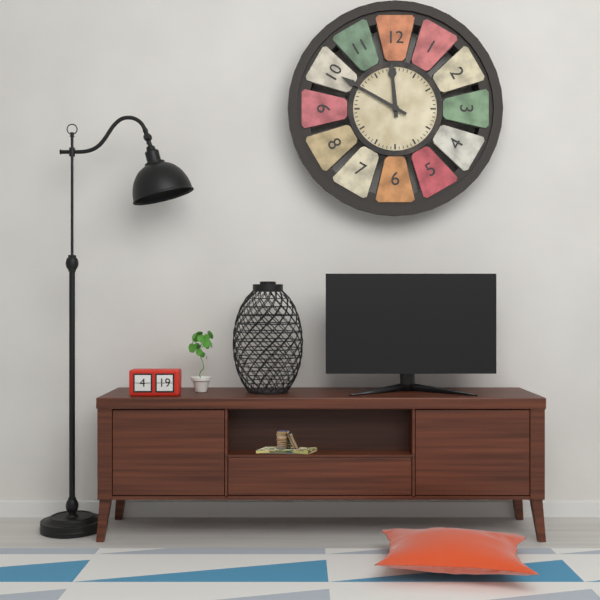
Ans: 11:50
